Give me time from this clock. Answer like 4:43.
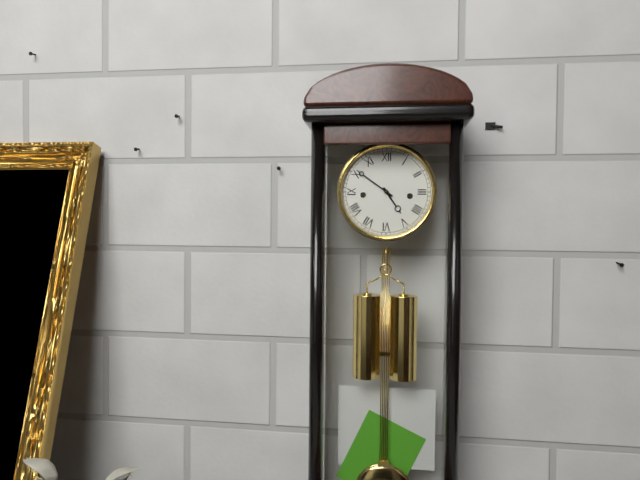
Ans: 4:51
